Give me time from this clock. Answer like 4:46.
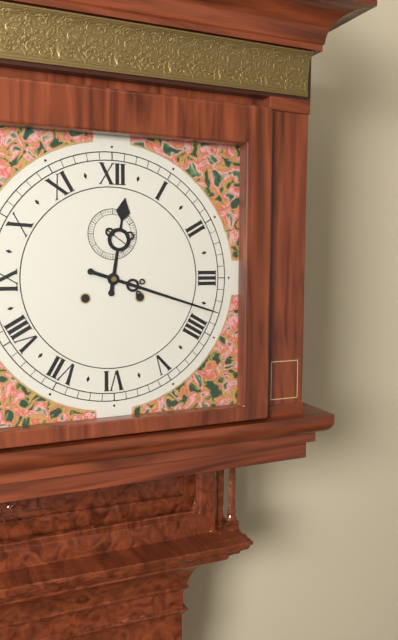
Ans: 12:18
